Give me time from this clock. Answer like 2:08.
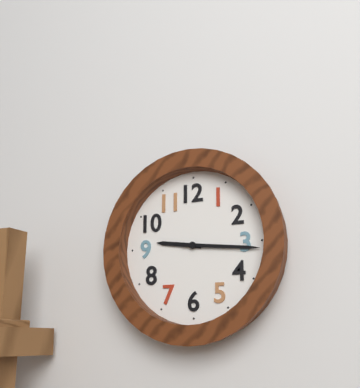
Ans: 9:16
